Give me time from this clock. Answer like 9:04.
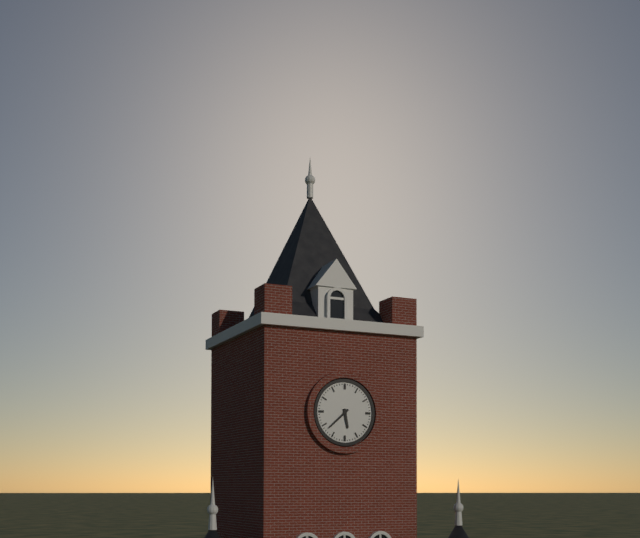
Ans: 5:38
